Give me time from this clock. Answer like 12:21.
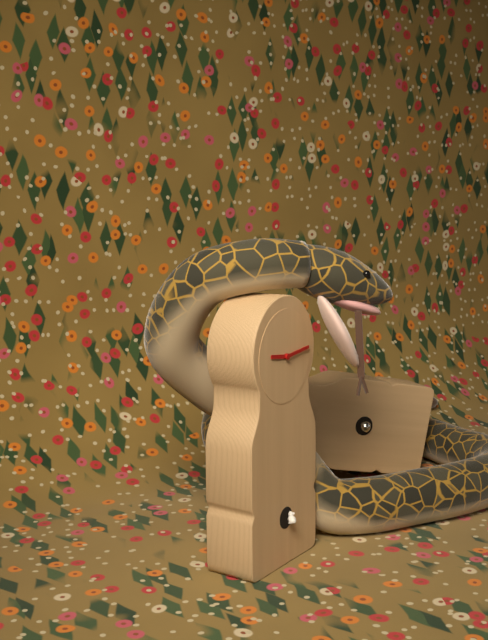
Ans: 9:14
